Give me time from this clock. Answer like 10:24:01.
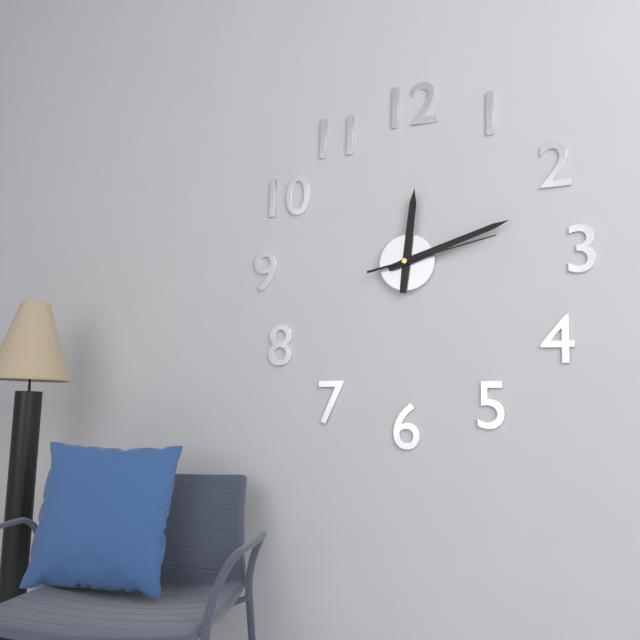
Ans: 12:12:13
